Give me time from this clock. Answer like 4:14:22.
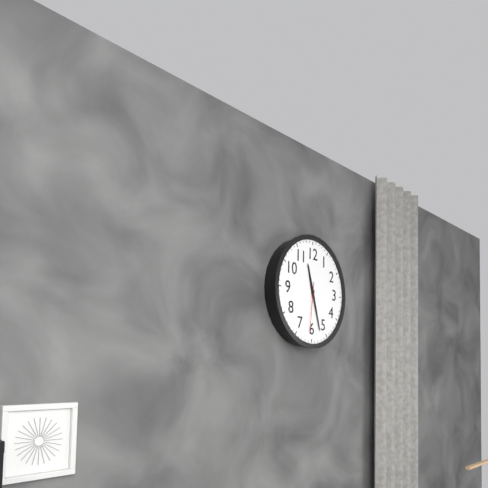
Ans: 11:27:31
